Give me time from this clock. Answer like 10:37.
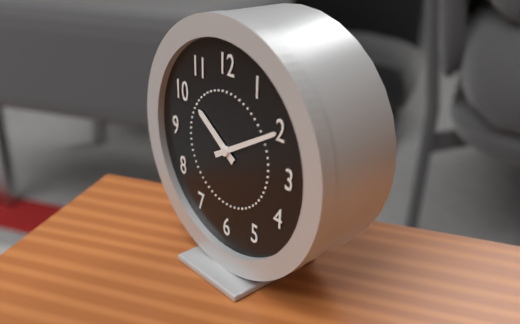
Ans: 10:10
